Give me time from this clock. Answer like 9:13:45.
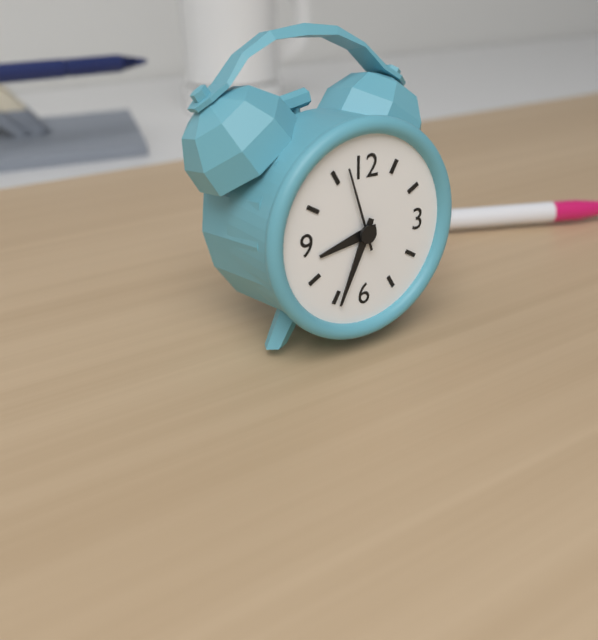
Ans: 8:34:57
